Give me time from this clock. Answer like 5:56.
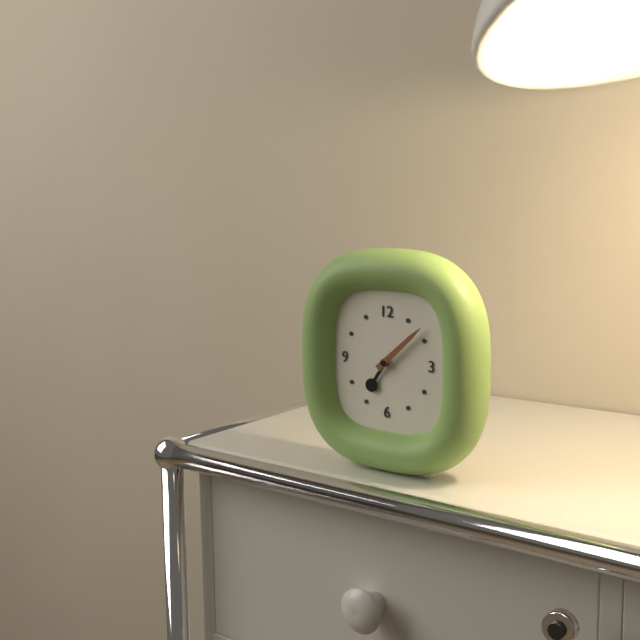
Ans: 7:08
